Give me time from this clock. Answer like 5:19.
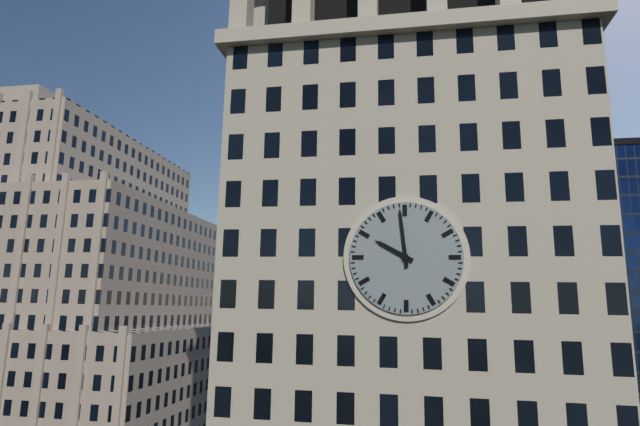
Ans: 9:59
